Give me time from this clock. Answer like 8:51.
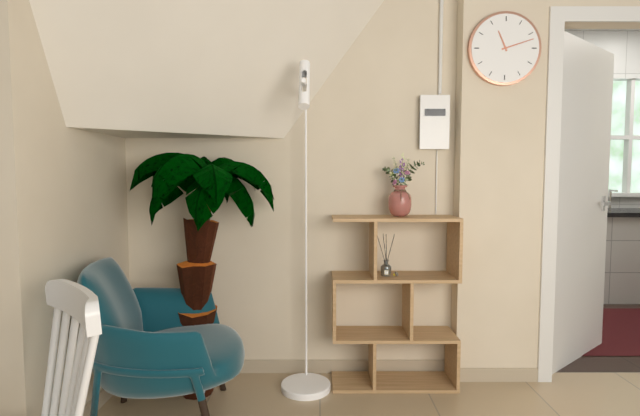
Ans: 11:12
